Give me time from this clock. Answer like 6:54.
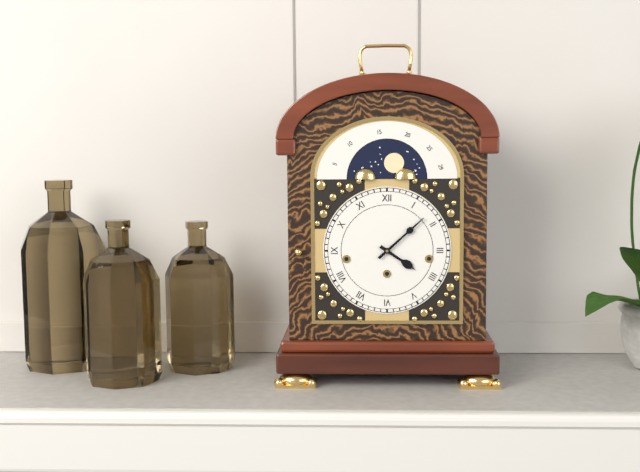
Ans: 4:08
